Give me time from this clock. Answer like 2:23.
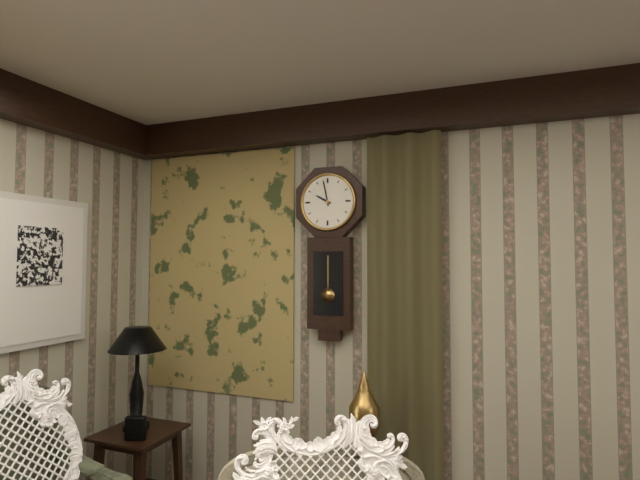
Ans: 9:58
